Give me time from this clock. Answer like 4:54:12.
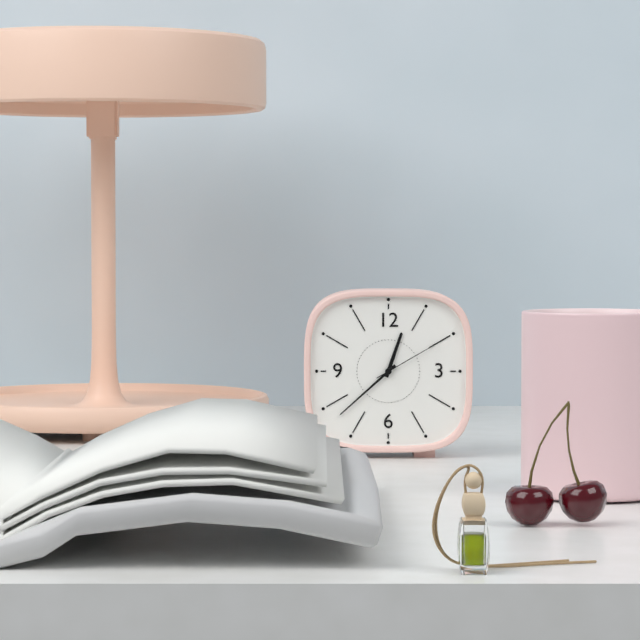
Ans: 12:38:10
